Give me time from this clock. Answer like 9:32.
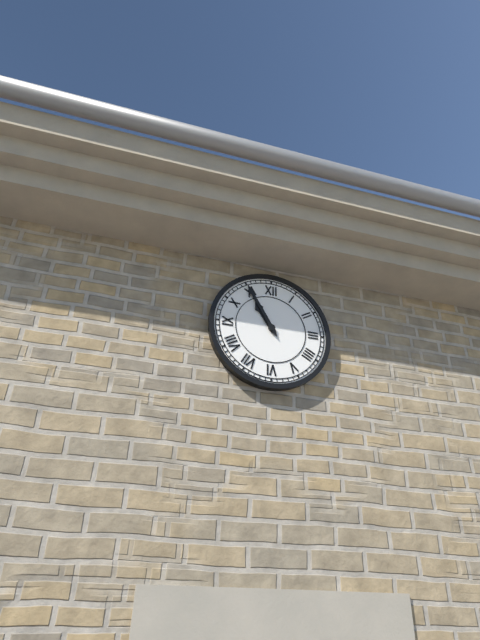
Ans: 10:55
